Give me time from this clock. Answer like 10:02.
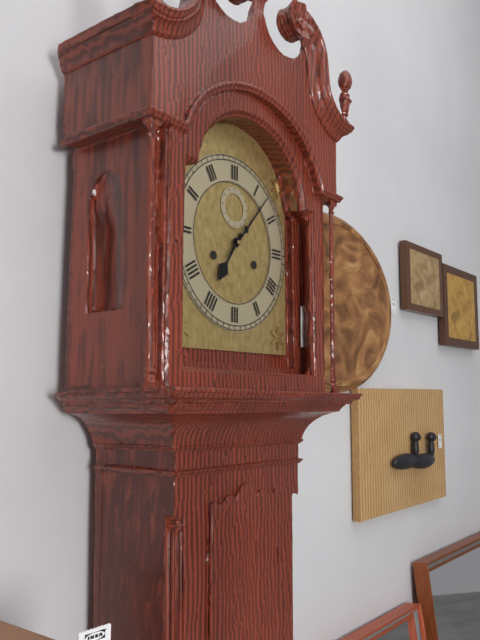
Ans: 7:07
